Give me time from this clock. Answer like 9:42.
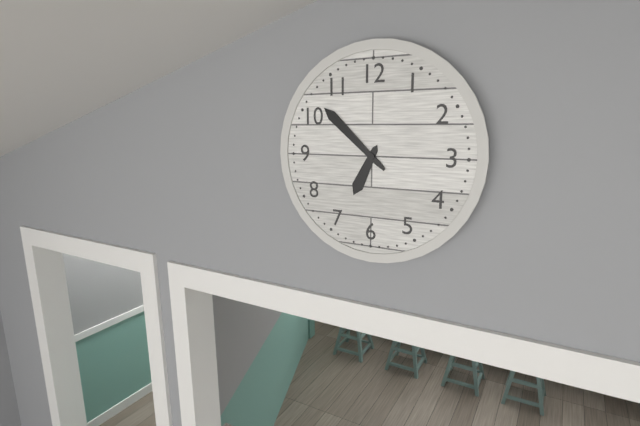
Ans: 6:52
